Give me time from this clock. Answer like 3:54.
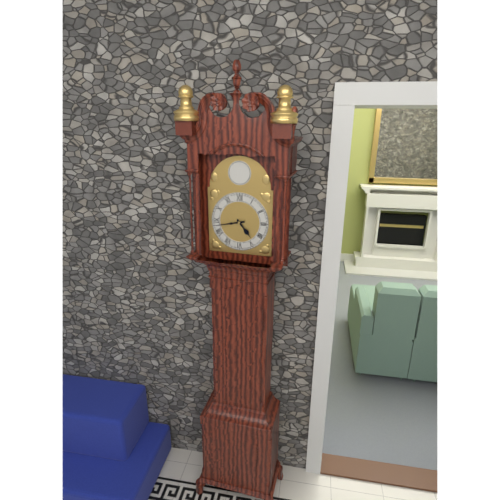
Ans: 4:43
